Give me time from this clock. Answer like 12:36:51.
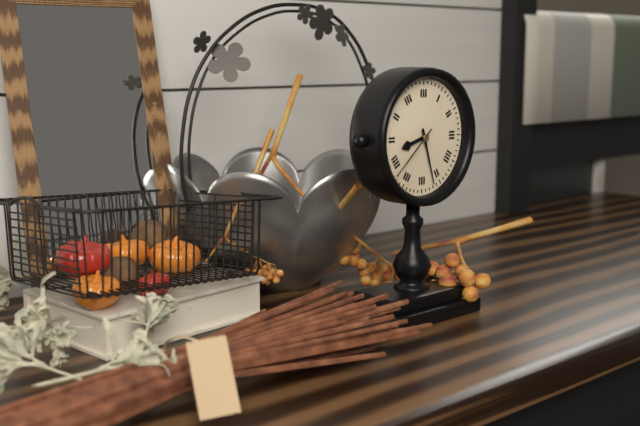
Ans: 8:27:38
